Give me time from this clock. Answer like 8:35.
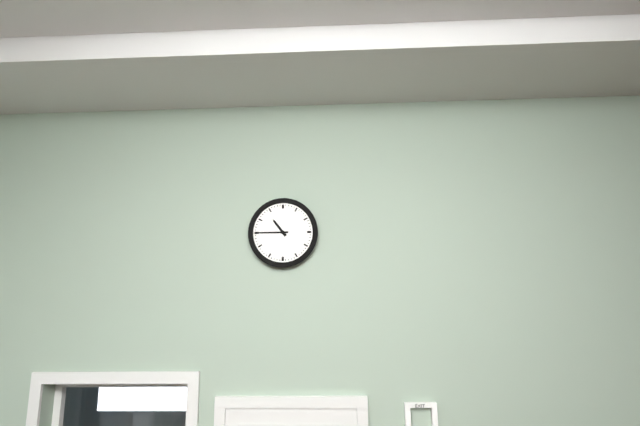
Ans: 10:45
